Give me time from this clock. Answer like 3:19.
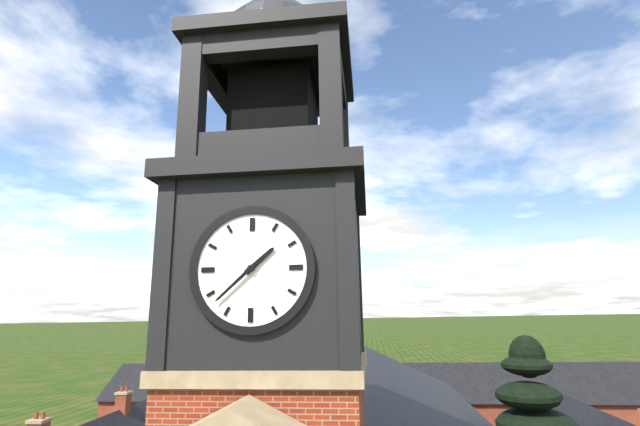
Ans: 1:38
